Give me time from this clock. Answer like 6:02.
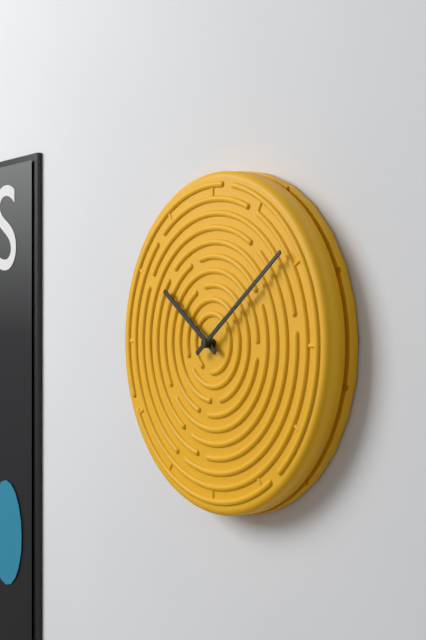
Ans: 10:09
